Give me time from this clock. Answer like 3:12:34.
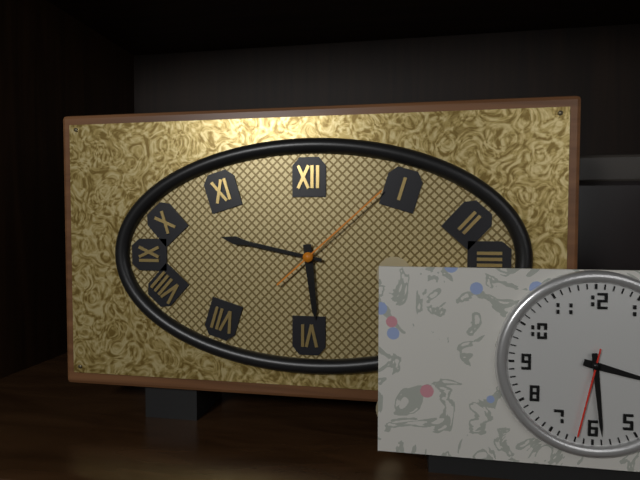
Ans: 5:47:08
